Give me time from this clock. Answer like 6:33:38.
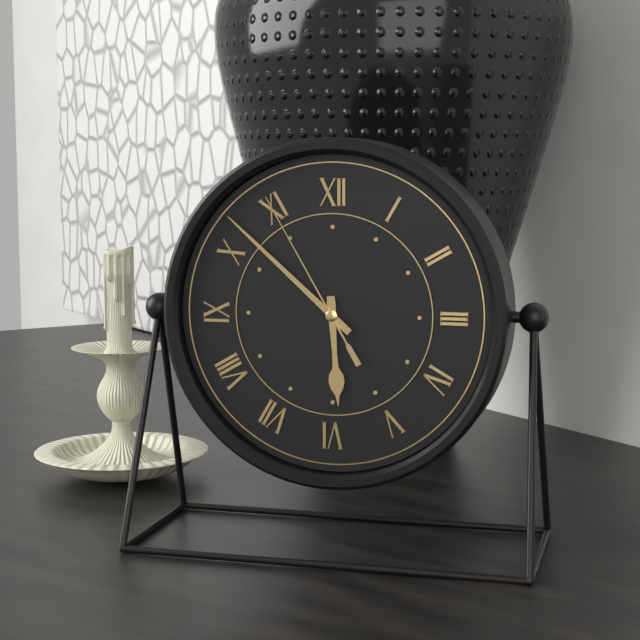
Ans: 5:52:55
